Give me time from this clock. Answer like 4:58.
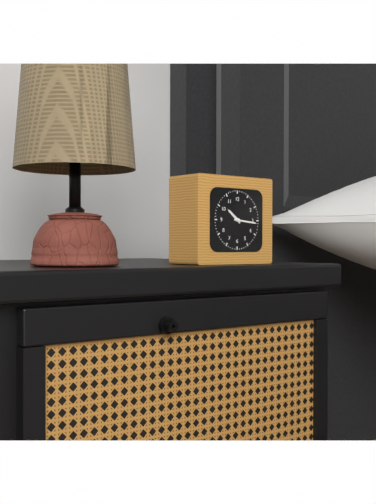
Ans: 10:16
